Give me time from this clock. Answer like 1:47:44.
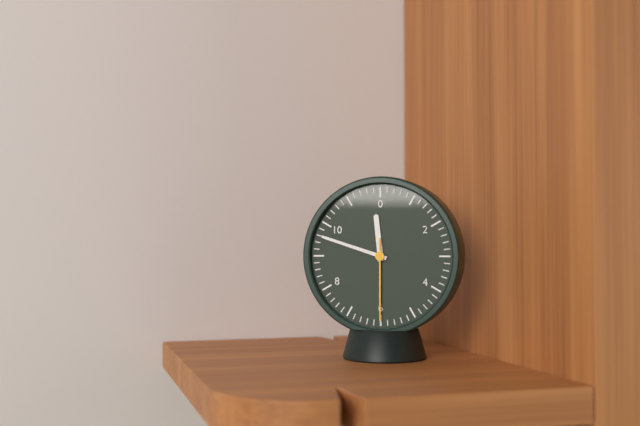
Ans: 11:48:30
